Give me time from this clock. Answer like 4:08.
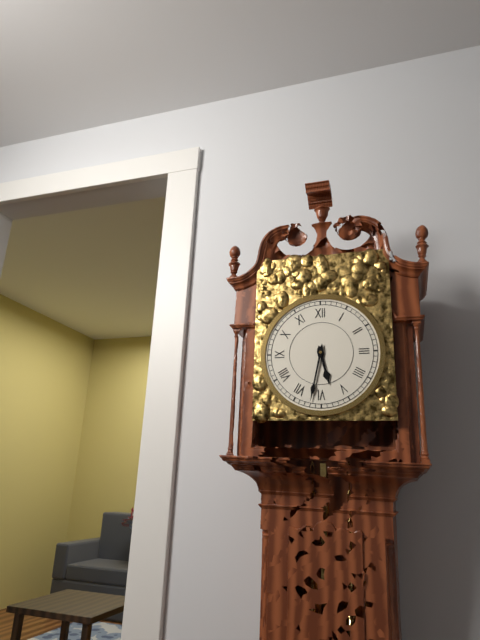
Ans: 5:32
